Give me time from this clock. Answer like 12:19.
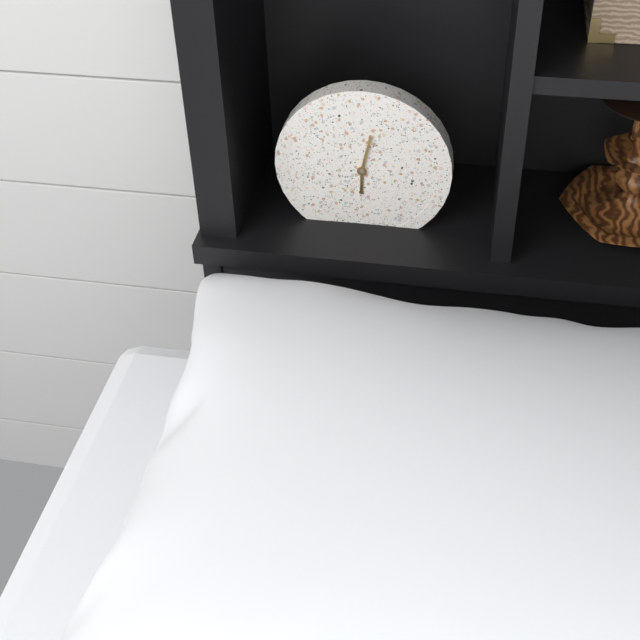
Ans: 6:02
